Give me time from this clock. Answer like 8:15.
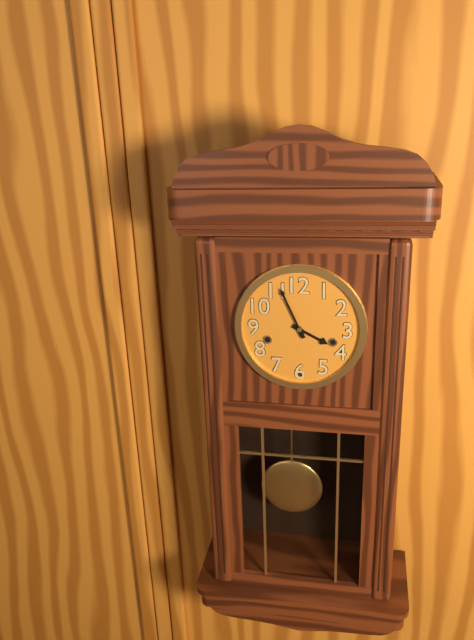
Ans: 3:56
